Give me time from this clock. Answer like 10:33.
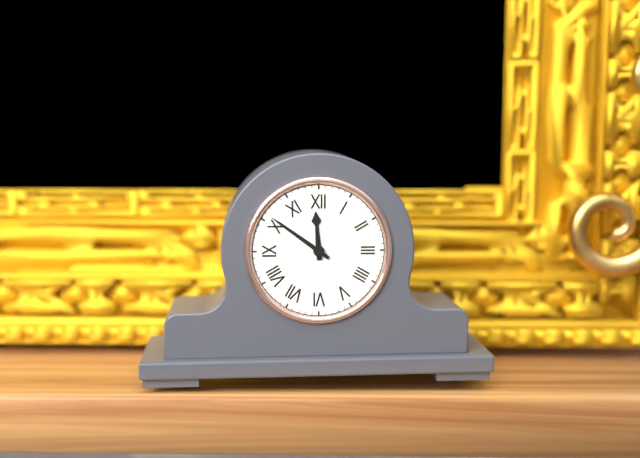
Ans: 11:51
